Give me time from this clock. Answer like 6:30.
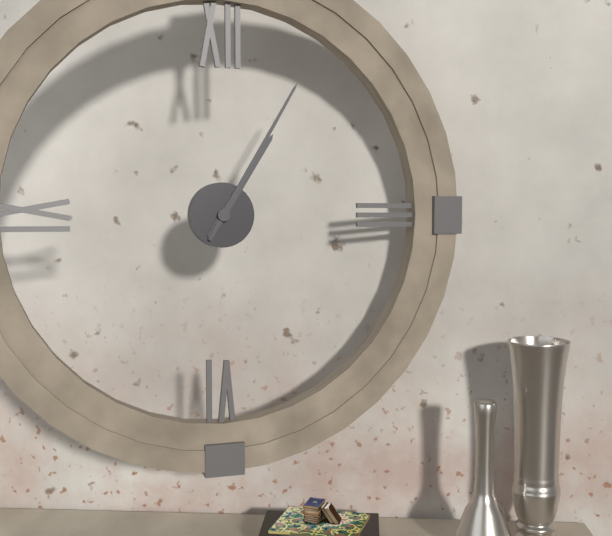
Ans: 1:05
